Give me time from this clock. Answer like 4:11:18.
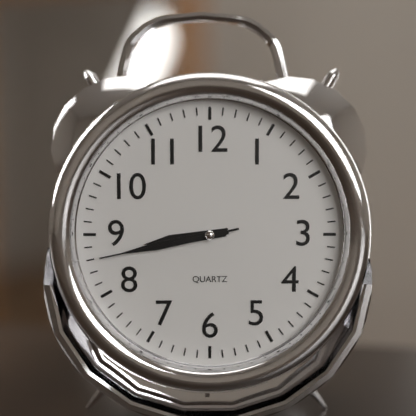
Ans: 8:43:43
